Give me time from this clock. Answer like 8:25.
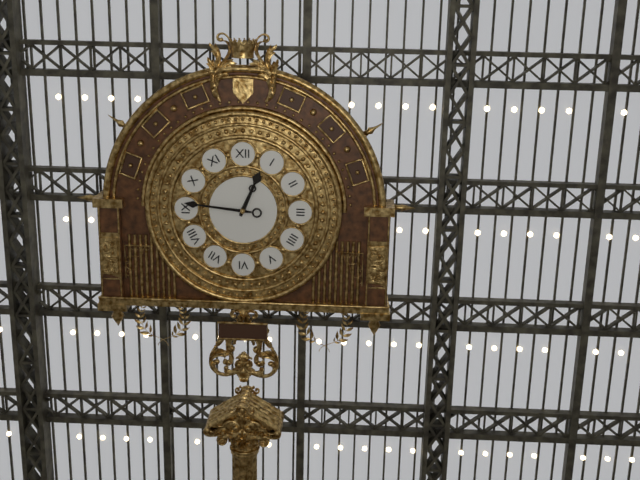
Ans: 12:46
